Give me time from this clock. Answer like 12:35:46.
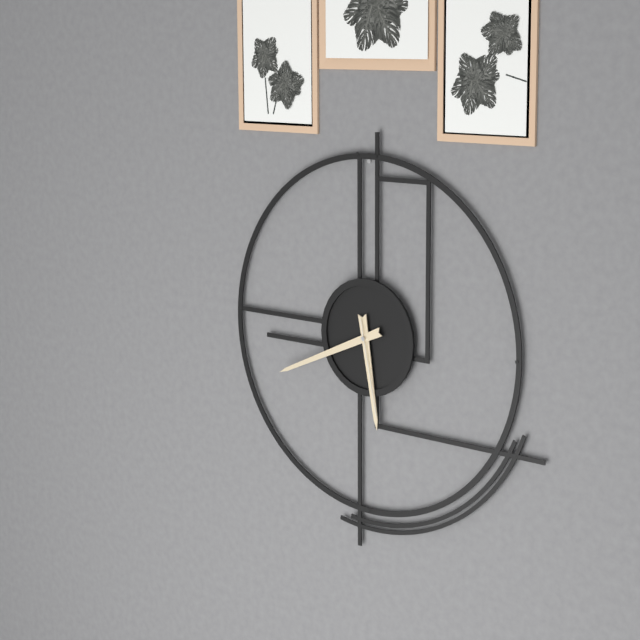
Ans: 5:41:28
